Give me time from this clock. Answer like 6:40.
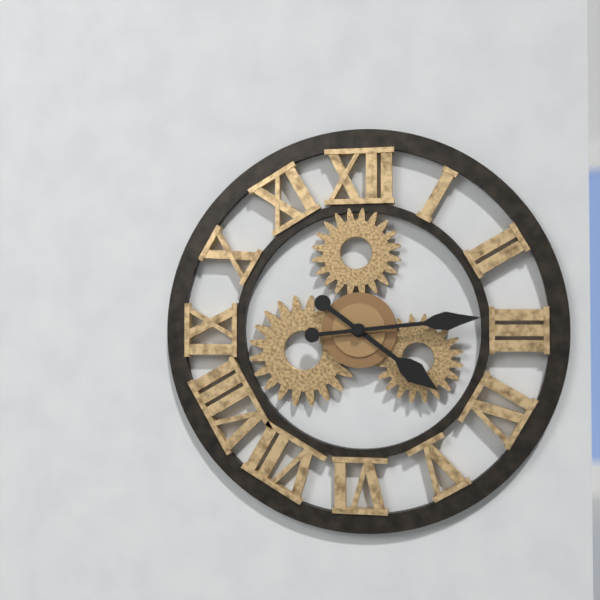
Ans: 4:14
